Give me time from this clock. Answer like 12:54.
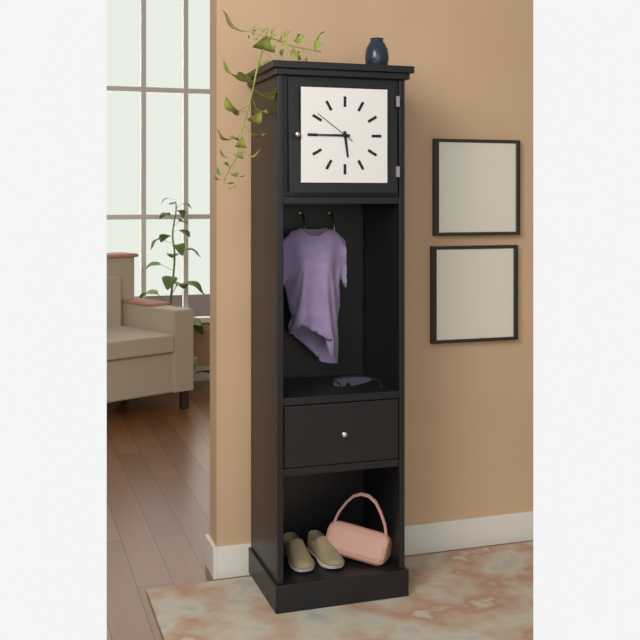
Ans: 5:45
